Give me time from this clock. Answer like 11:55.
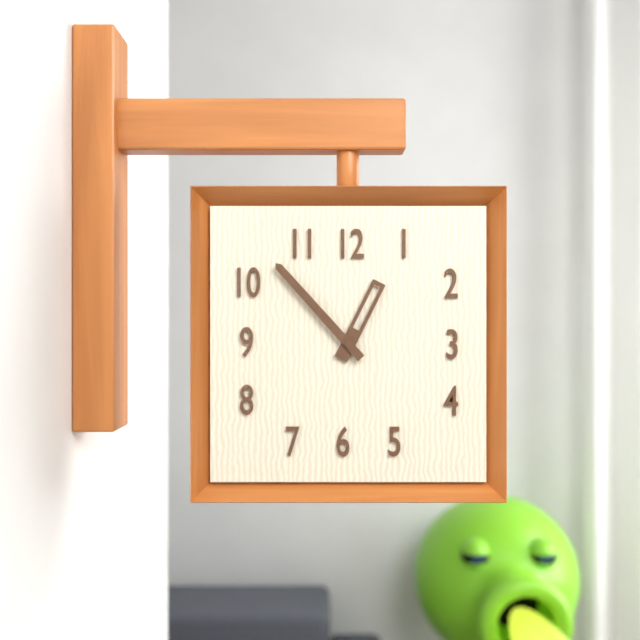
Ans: 12:53
